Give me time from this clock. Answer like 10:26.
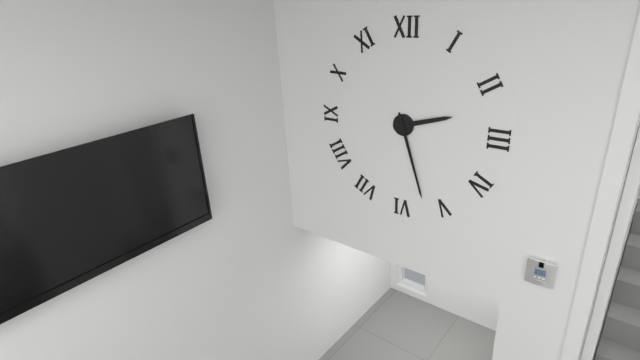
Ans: 2:27
